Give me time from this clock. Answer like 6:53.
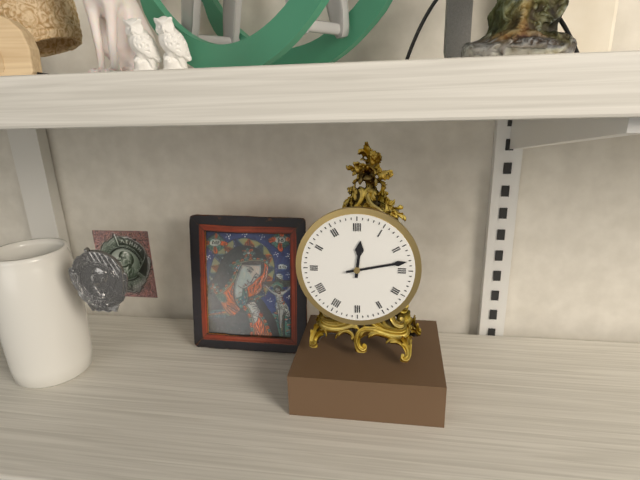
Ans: 12:13
